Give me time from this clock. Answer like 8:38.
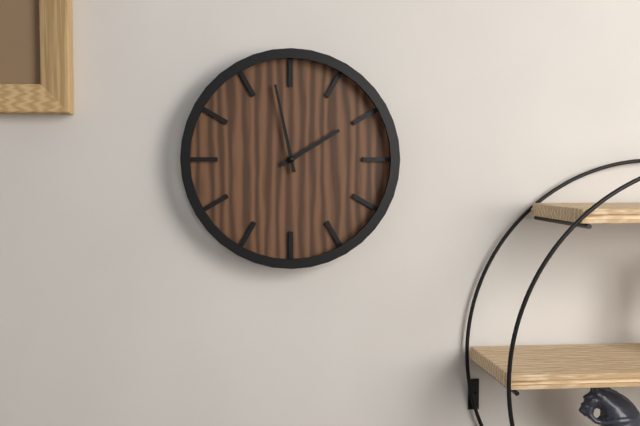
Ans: 1:58
